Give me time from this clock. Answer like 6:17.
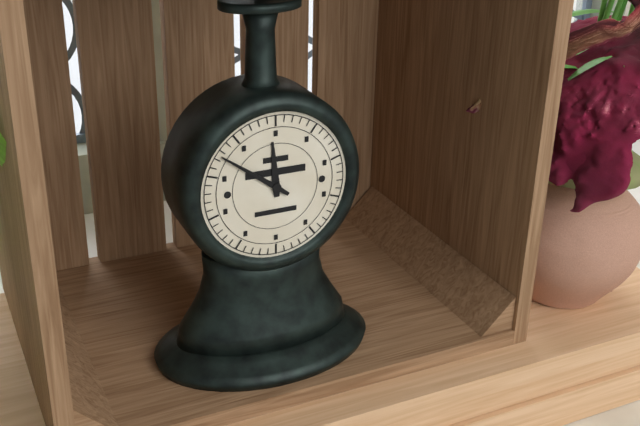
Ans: 11:51
